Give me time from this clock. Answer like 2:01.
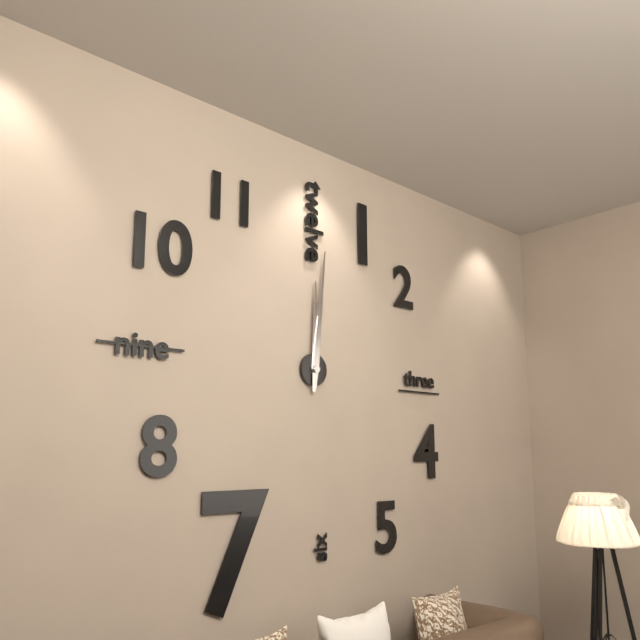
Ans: 12:01
